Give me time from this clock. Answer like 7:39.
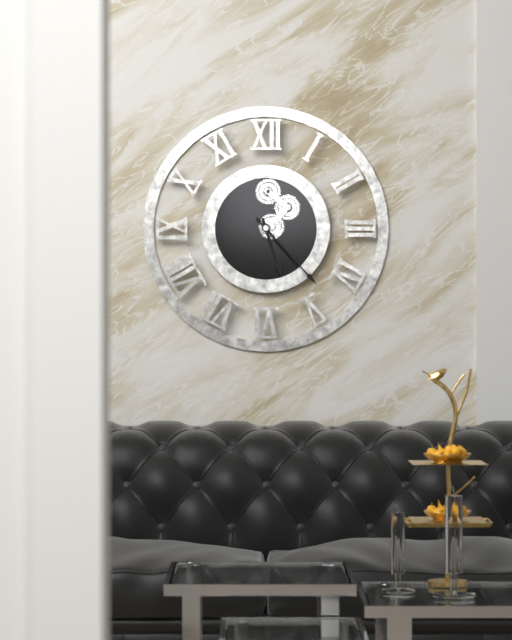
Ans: 5:23
